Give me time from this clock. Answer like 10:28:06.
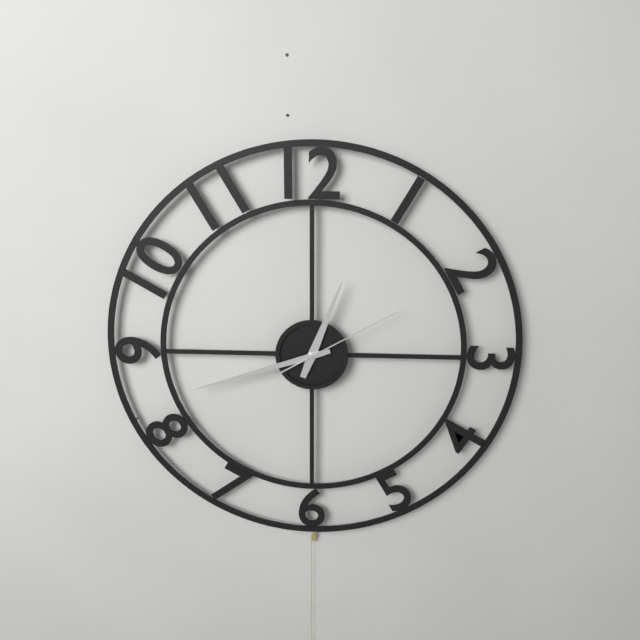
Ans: 12:42:10
